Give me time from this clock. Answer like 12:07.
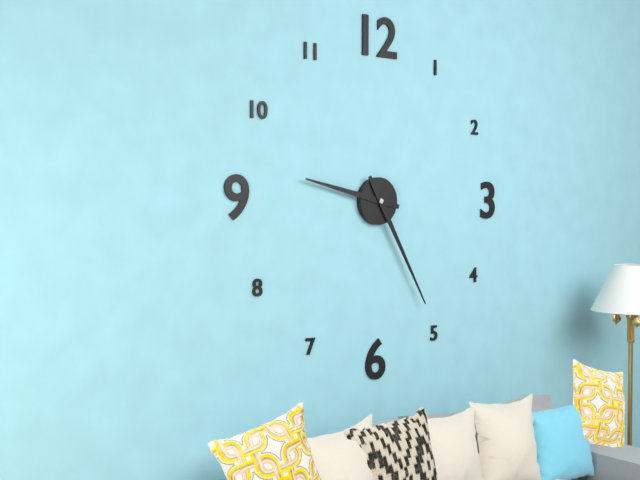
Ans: 9:25
